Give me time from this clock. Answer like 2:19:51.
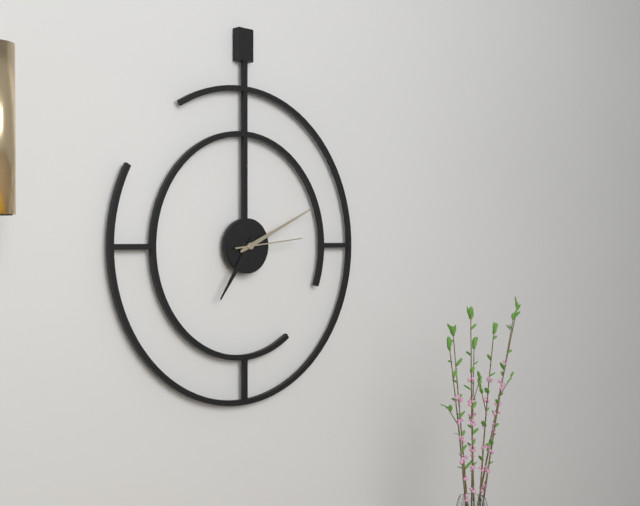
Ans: 7:11:14
